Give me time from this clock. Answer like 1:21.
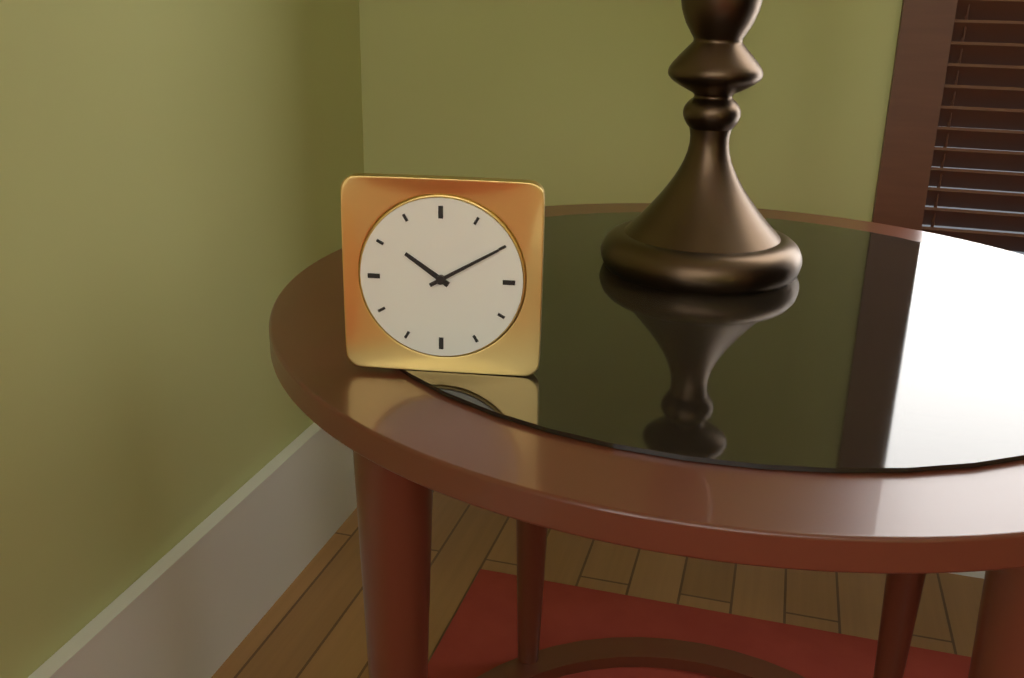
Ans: 10:10
